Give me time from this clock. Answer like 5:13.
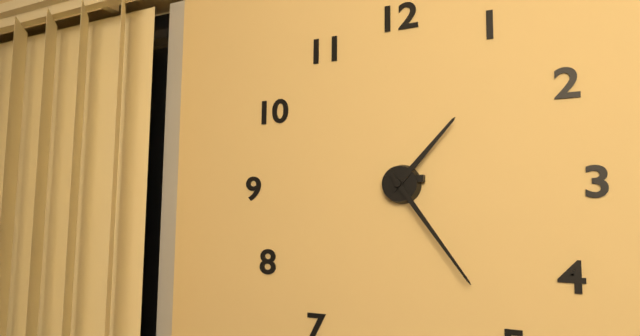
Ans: 1:24
